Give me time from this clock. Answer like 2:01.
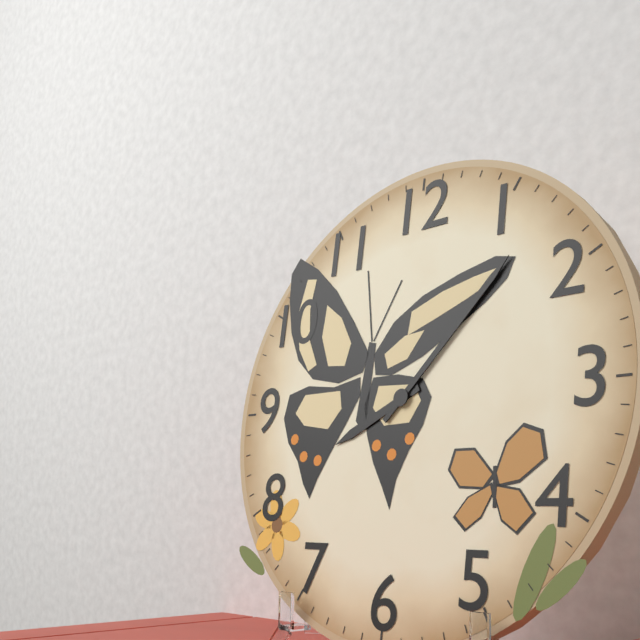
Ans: 8:07
